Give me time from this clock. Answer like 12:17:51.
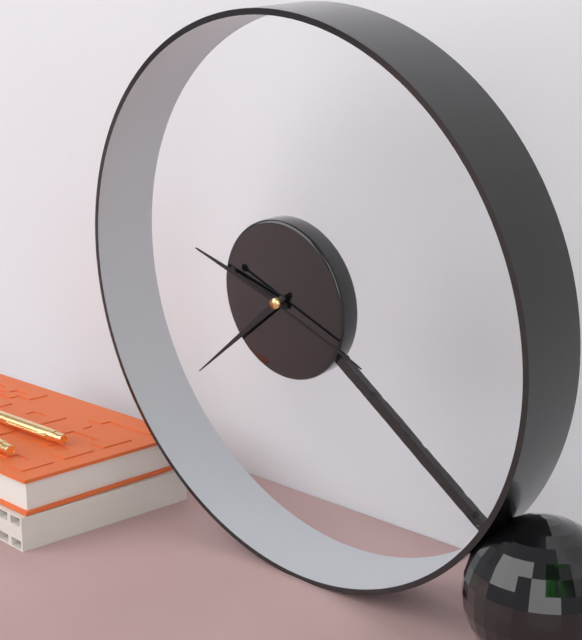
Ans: 9:39:19
